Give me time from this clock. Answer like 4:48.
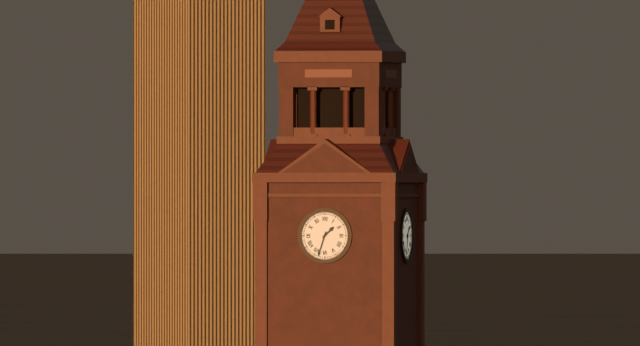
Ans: 1:33
